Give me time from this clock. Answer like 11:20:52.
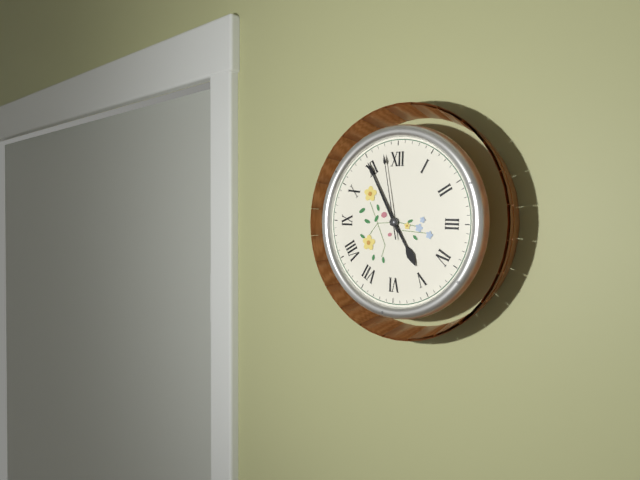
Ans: 4:55:58
